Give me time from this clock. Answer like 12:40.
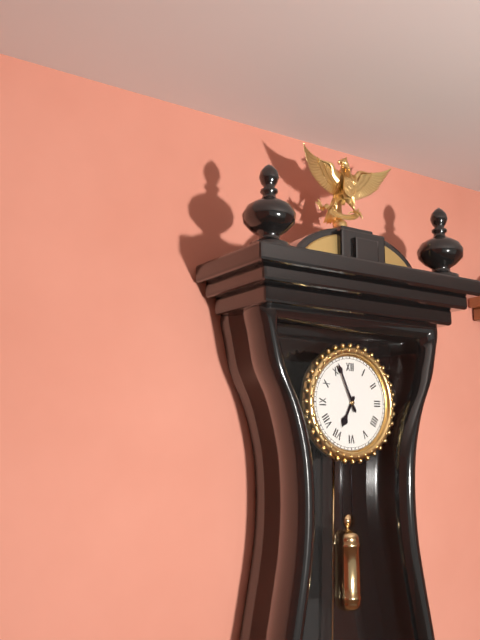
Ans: 6:56
